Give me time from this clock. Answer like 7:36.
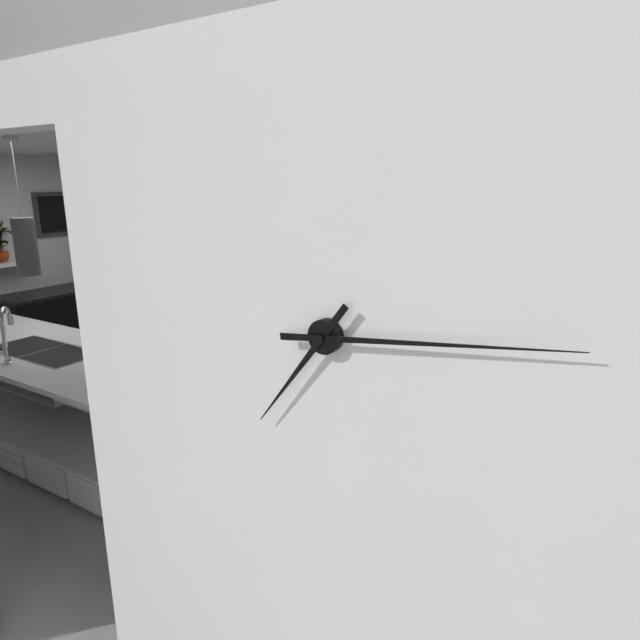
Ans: 7:14
